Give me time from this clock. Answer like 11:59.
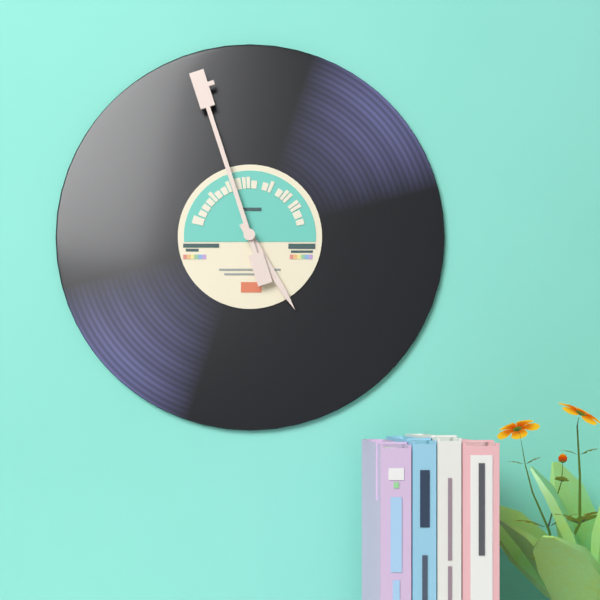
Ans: 4:57
